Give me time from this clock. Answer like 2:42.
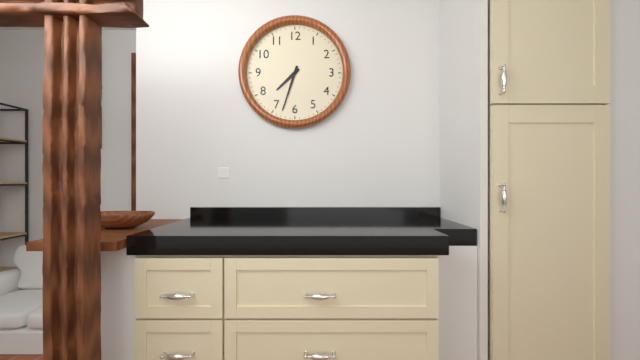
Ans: 7:33
